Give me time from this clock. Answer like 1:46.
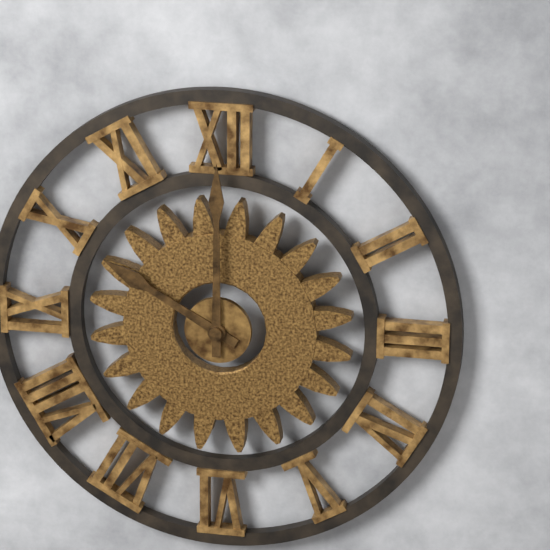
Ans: 10:00
